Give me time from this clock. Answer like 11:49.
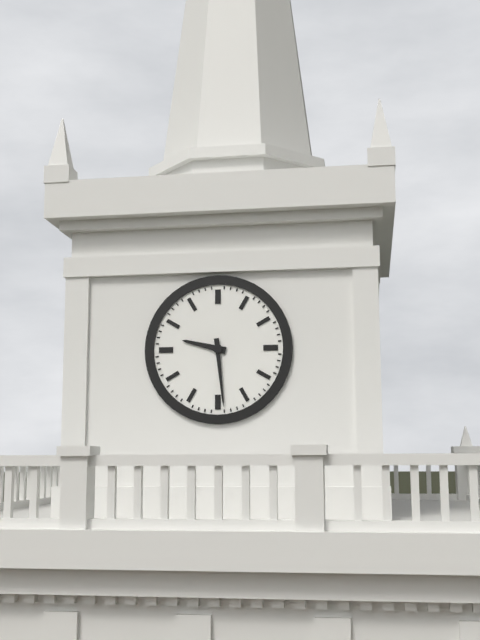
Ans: 9:29
